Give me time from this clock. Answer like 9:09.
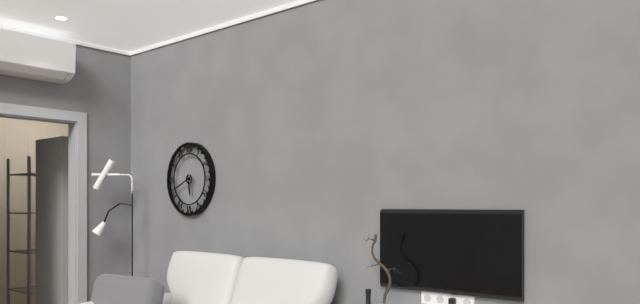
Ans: 5:41
